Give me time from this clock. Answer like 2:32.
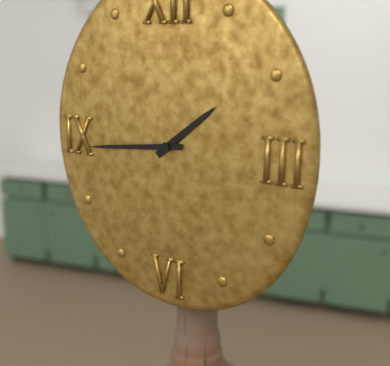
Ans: 1:44
